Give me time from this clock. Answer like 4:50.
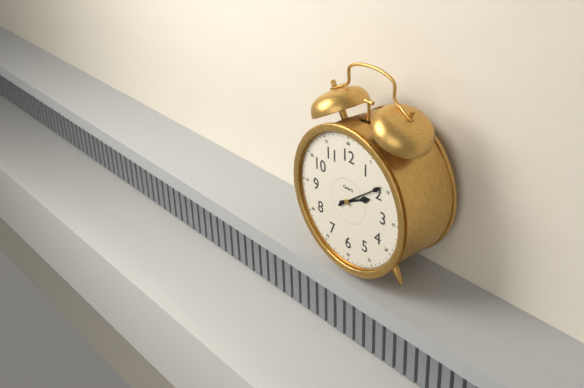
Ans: 2:09
